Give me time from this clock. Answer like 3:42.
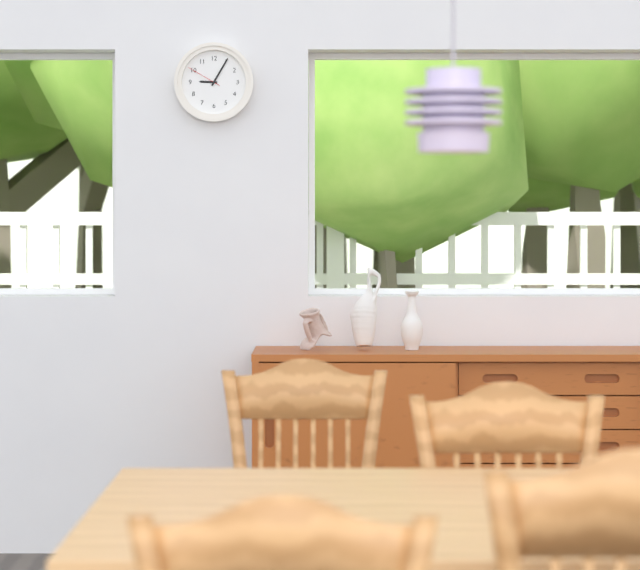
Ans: 9:05
